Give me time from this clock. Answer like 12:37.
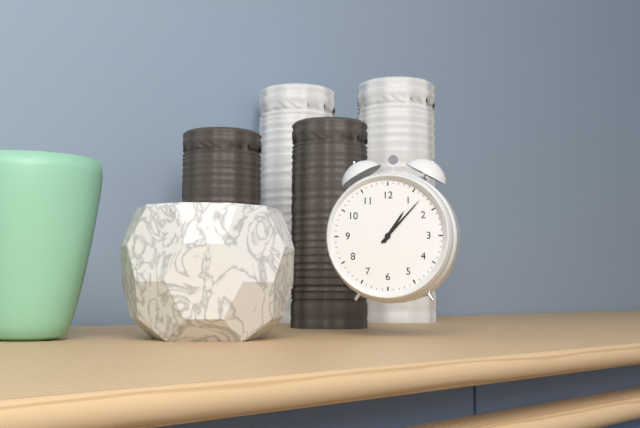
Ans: 1:07
